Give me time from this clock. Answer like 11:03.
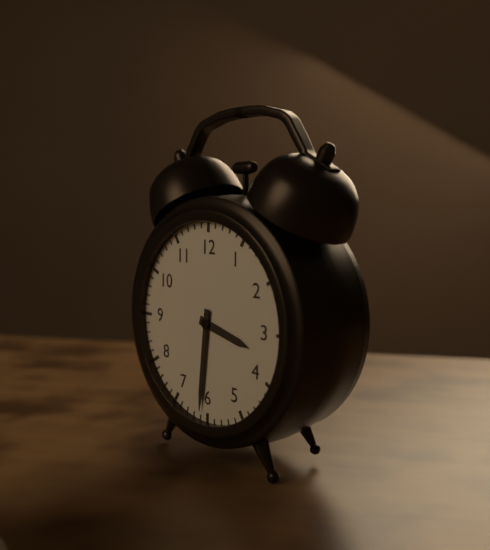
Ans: 3:31
